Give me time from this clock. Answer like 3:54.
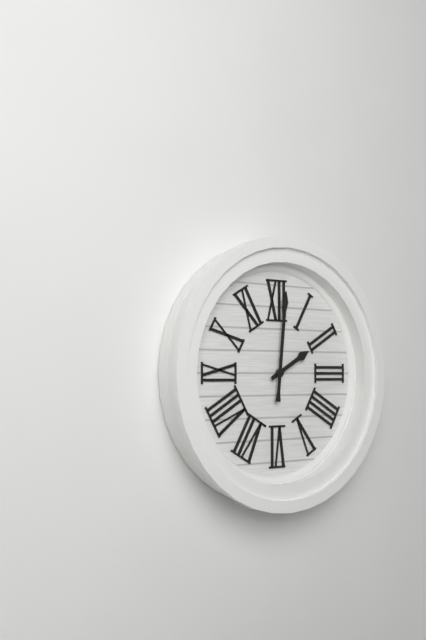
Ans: 2:01
